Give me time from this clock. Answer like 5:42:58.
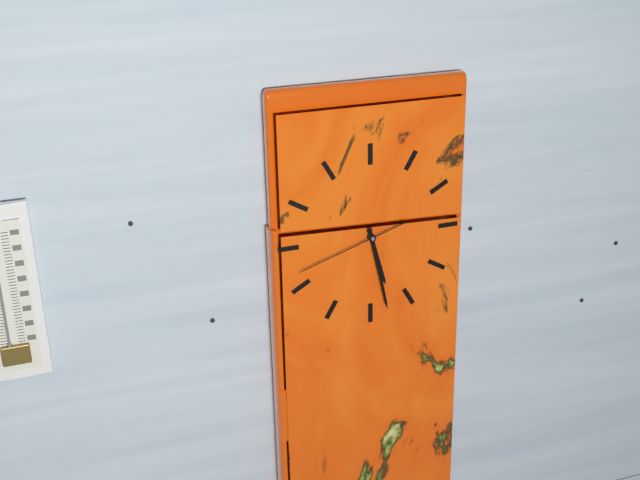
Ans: 5:28:42
